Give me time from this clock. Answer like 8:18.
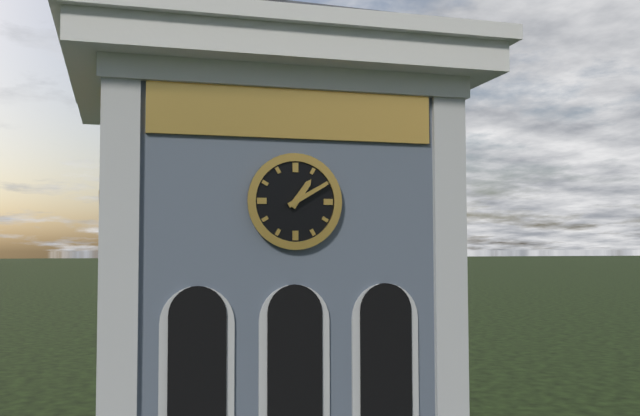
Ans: 1:10
